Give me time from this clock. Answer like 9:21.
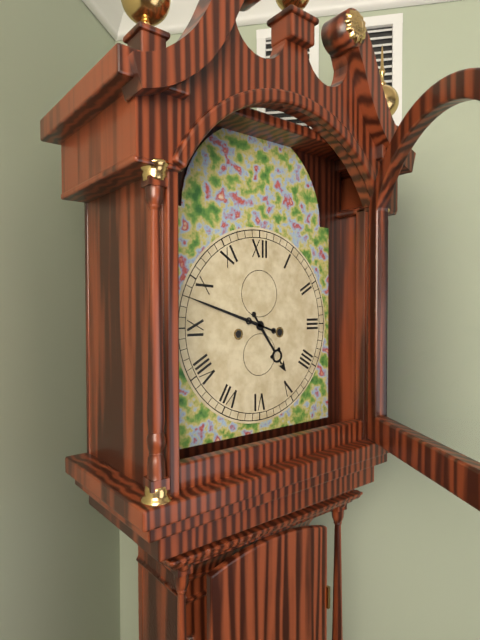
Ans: 4:48
